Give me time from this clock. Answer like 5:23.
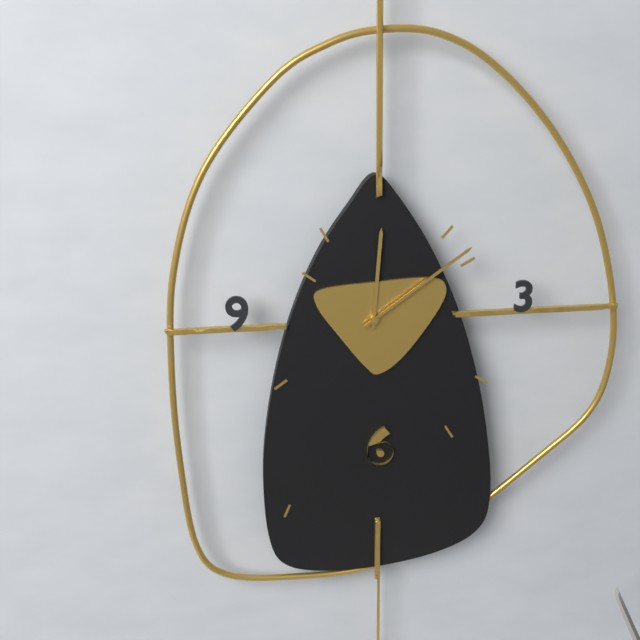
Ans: 12:09
